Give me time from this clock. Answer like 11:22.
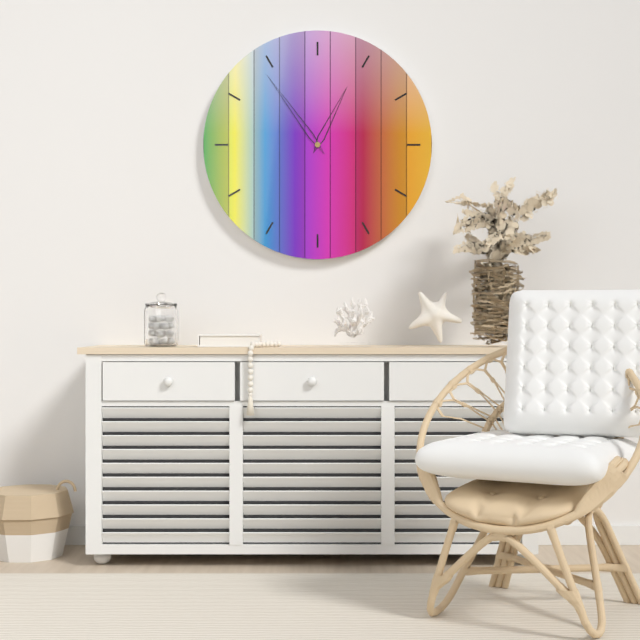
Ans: 12:54
